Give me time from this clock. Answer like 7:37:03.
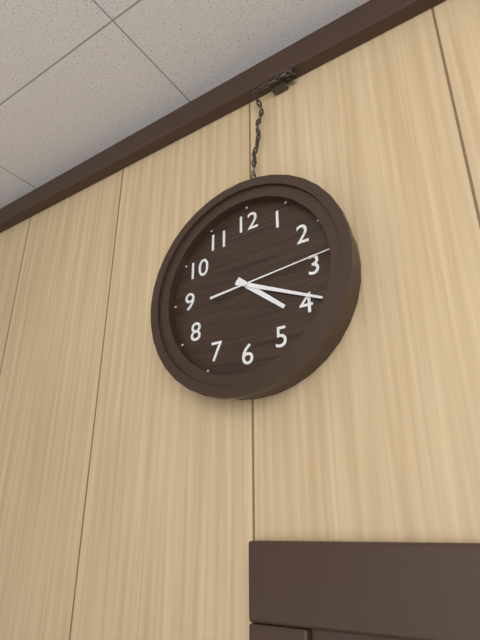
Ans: 4:19:14
